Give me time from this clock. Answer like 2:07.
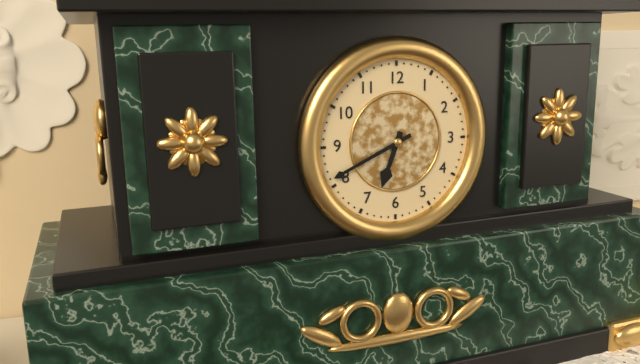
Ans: 6:41
